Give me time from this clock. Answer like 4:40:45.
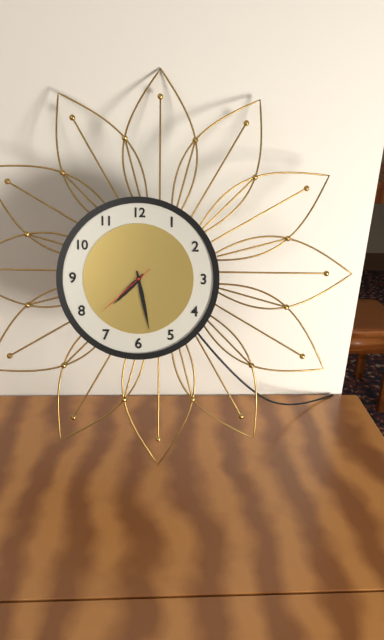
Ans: 7:28:38
